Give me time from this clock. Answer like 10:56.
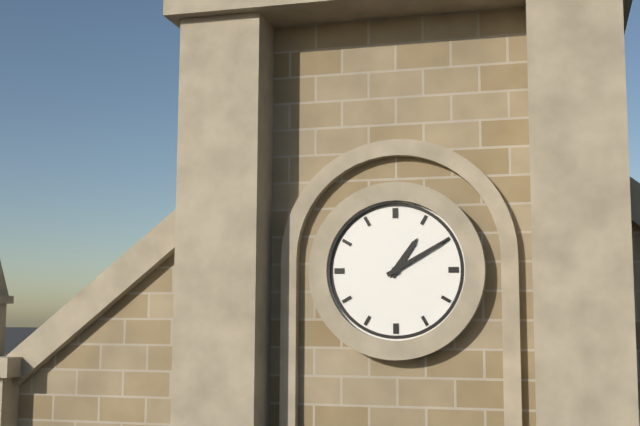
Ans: 1:10
